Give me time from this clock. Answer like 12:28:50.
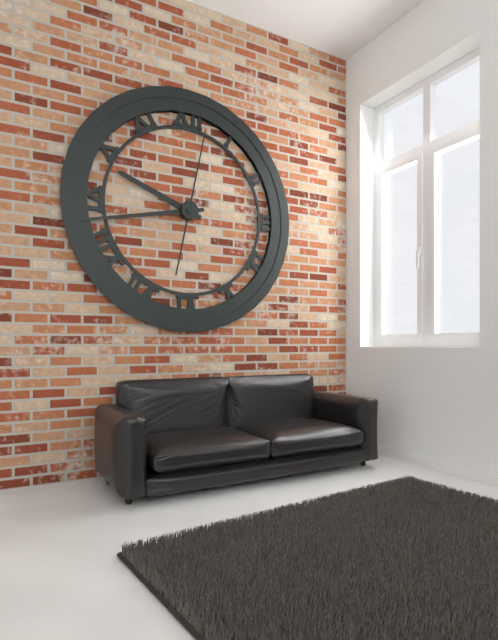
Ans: 9:43:02
